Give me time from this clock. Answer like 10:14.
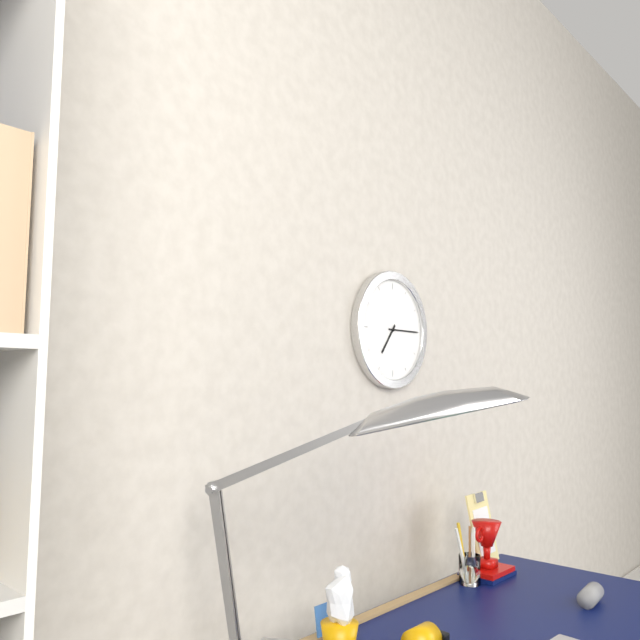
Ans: 7:15
